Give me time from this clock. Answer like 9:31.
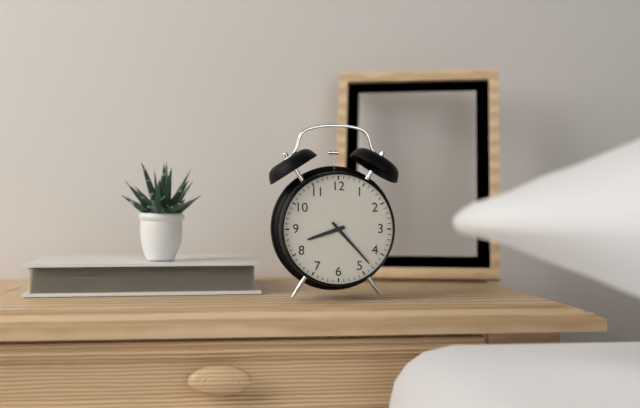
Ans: 8:23
